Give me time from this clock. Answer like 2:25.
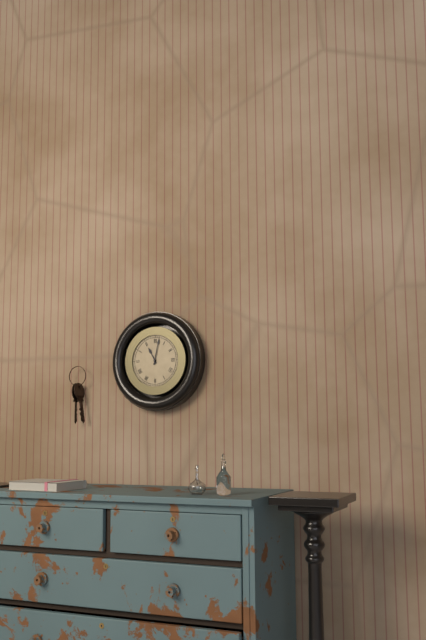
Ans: 11:02
